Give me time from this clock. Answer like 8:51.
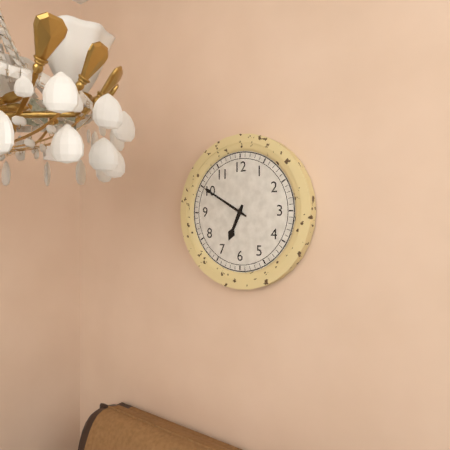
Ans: 6:50
